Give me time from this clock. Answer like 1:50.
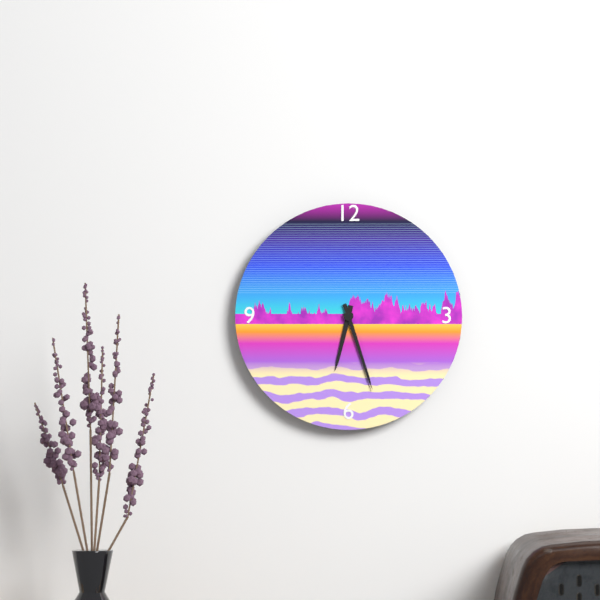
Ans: 6:27
